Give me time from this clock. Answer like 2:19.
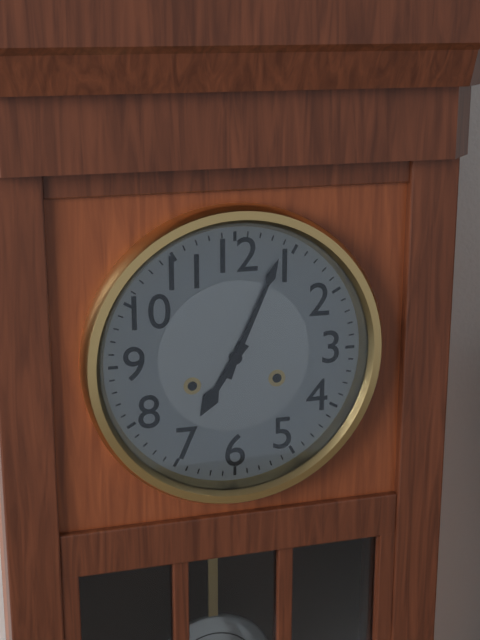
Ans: 7:04
